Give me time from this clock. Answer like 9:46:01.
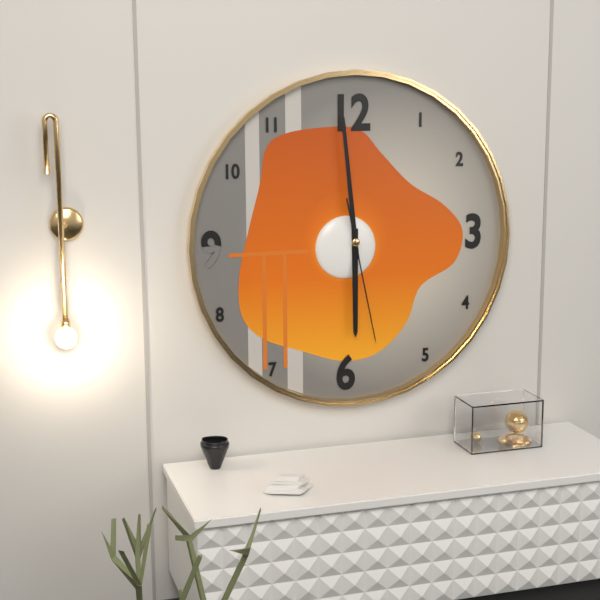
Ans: 5:59:28
